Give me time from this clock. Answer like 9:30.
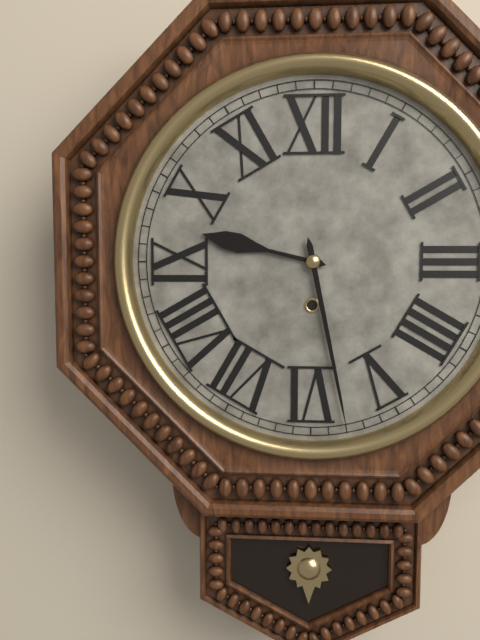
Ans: 9:28
